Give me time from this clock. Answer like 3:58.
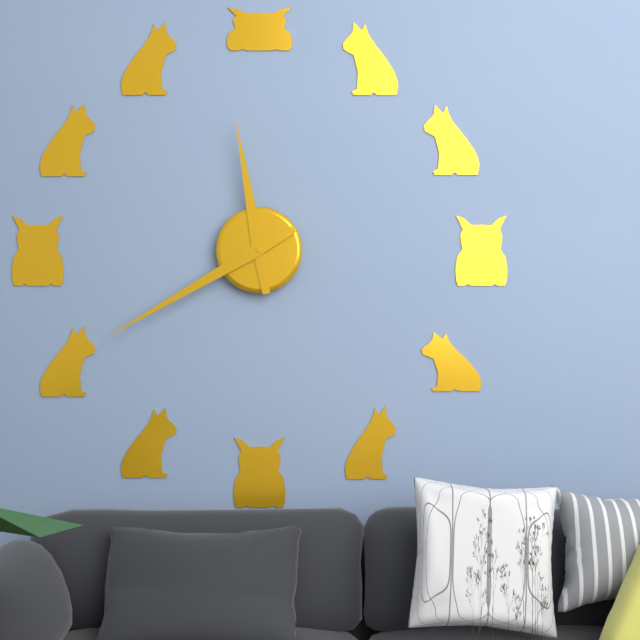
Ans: 11:40
